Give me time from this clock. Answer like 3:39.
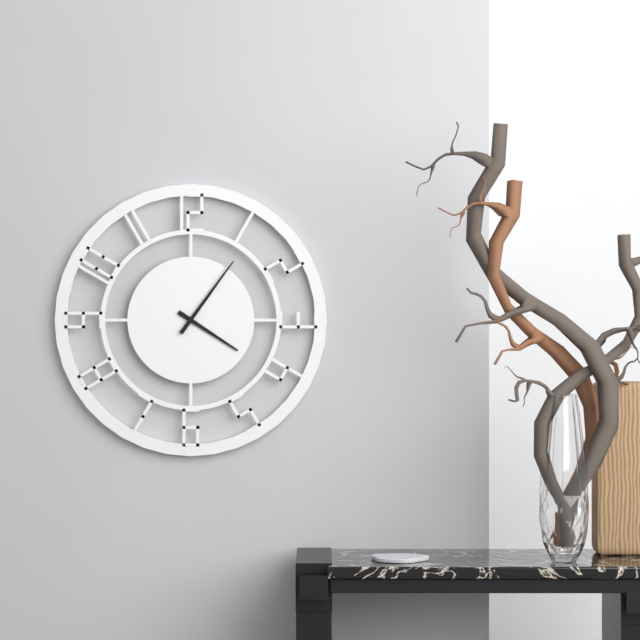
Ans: 4:06
